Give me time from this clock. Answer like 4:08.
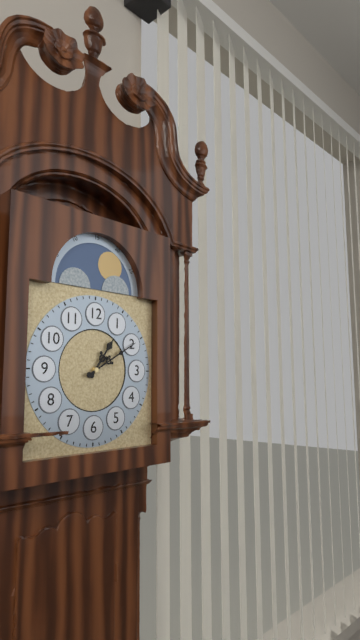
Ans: 1:10
